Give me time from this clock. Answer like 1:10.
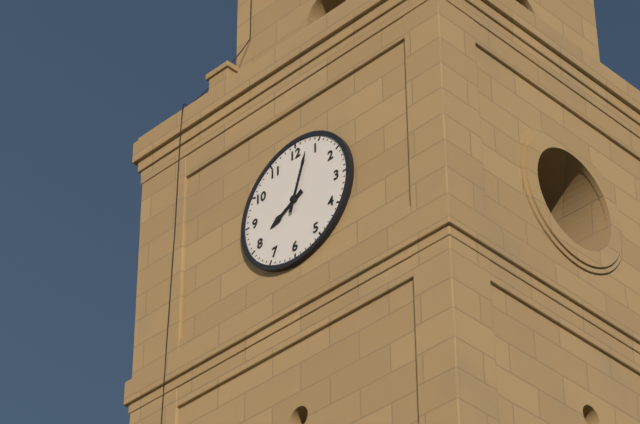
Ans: 8:03
